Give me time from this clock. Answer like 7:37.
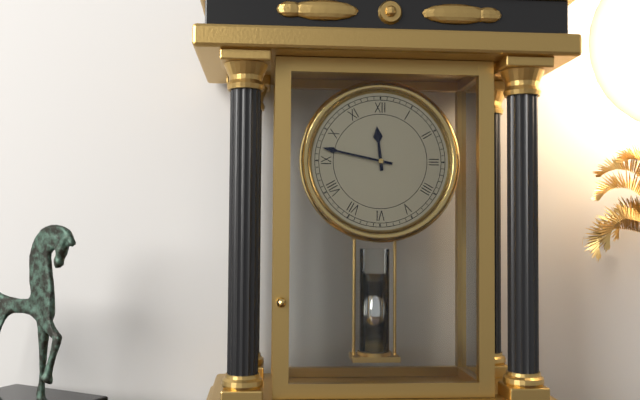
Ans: 11:47
